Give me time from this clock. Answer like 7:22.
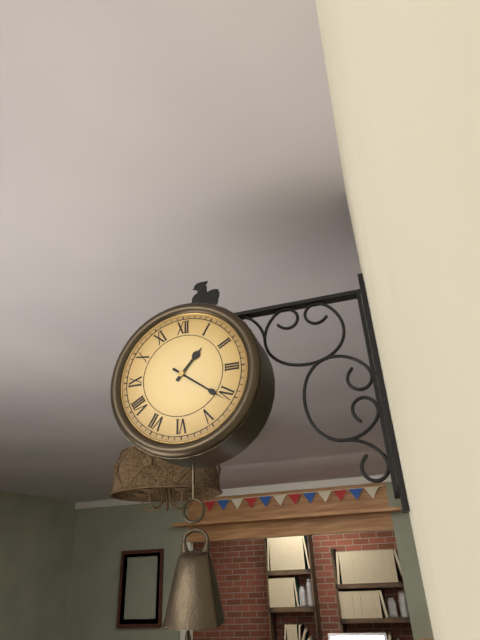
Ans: 1:21
